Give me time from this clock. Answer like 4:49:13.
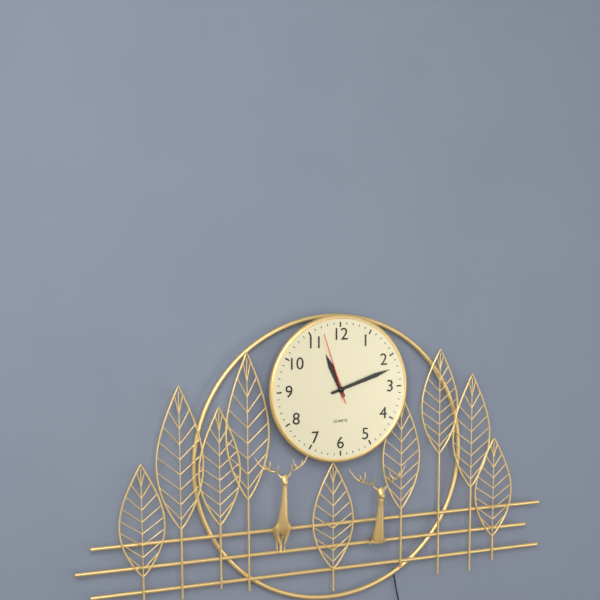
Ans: 11:12:57
